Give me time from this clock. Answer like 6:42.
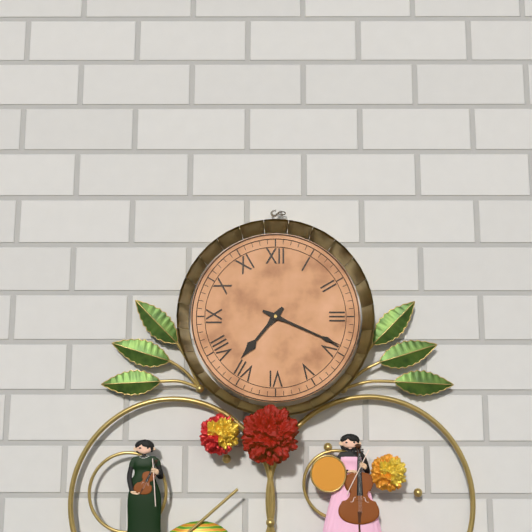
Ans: 7:19
